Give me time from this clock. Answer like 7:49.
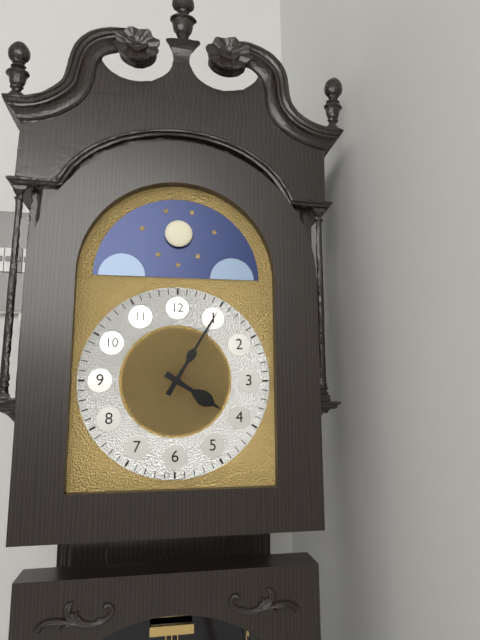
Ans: 4:05
